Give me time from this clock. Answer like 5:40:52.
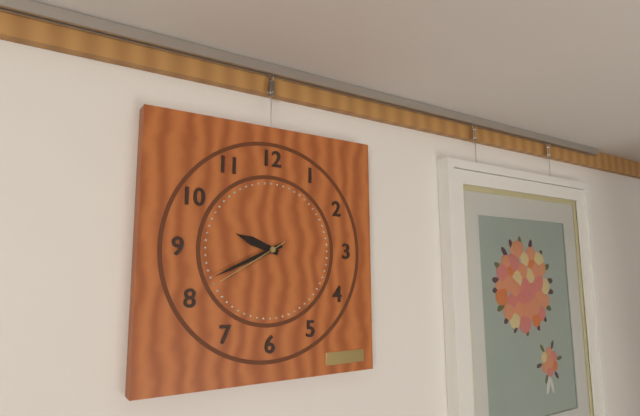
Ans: 9:41:40
